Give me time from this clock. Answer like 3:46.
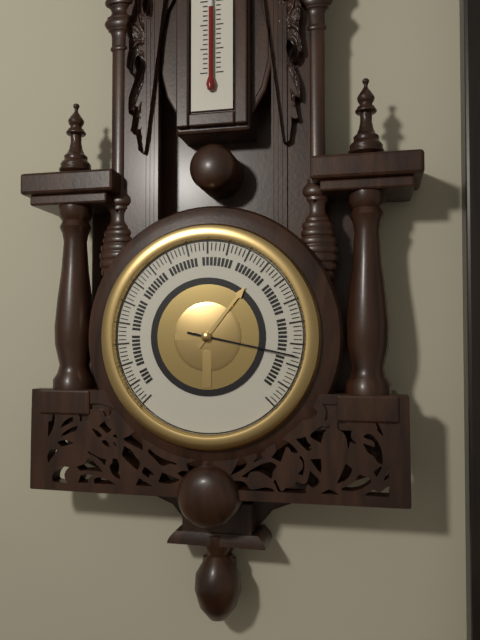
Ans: 1:17
